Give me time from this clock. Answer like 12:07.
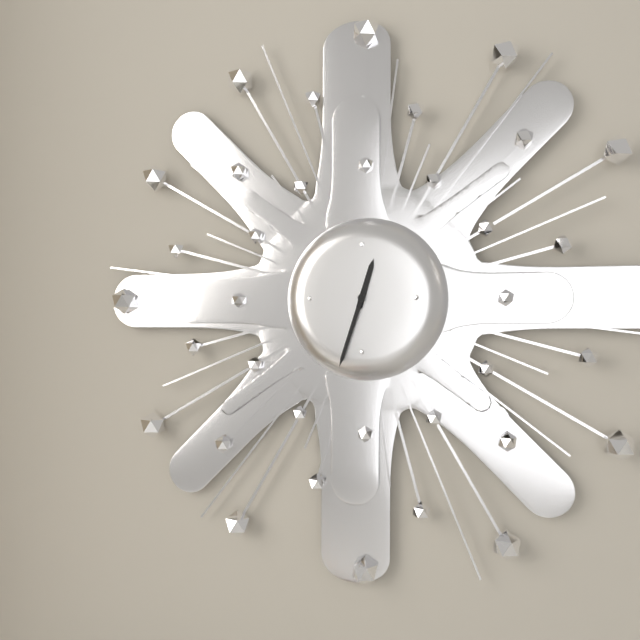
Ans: 12:33
